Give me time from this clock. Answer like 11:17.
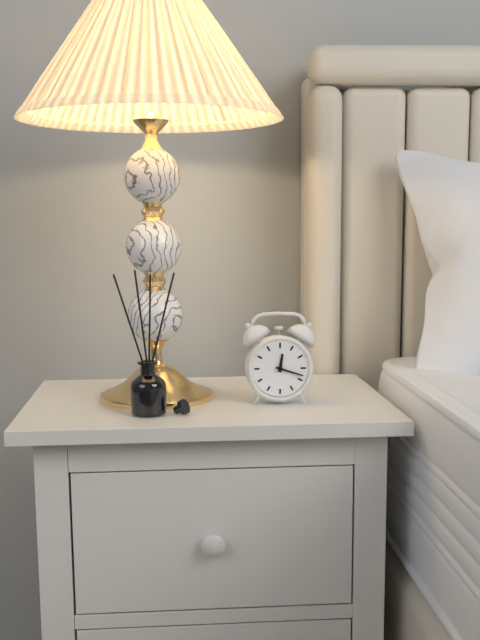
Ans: 12:18
